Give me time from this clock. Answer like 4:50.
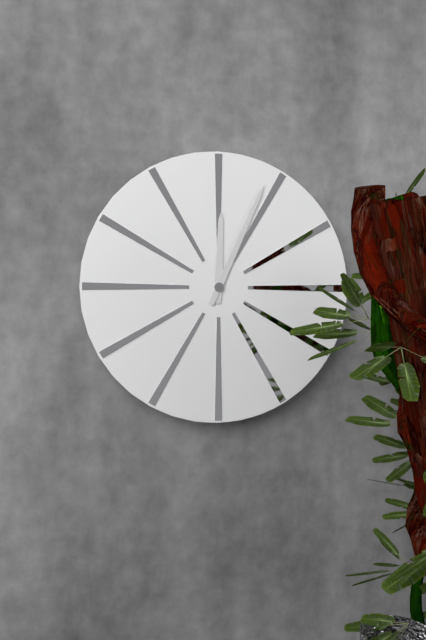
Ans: 12:04
